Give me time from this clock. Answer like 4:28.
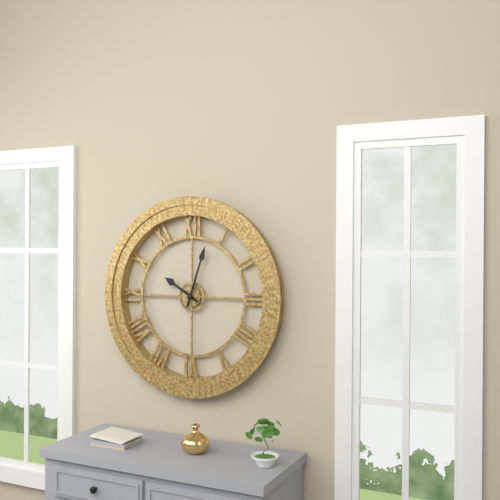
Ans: 10:03
